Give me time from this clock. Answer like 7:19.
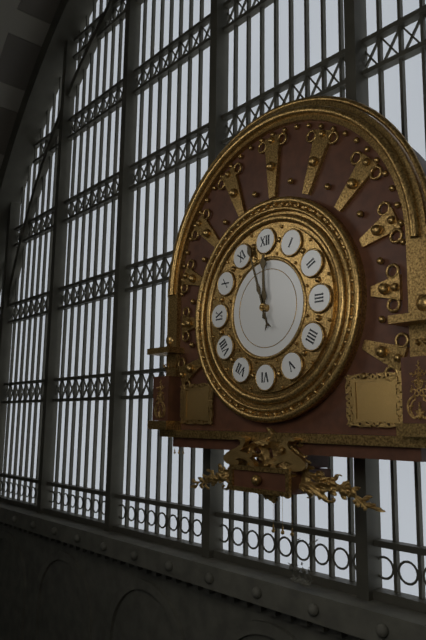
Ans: 11:57
